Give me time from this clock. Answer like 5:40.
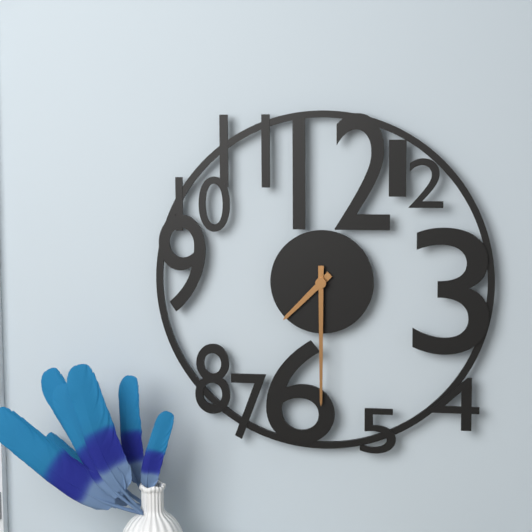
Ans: 7:30
